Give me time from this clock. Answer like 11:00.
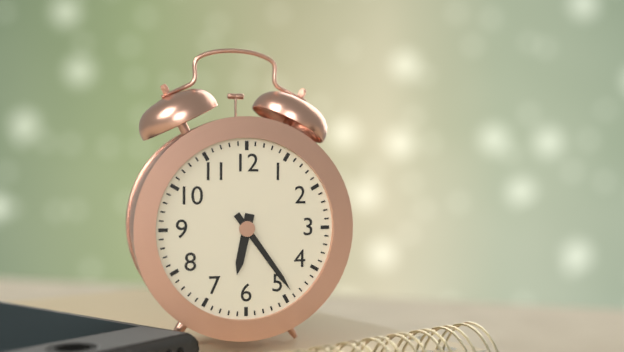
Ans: 6:24
